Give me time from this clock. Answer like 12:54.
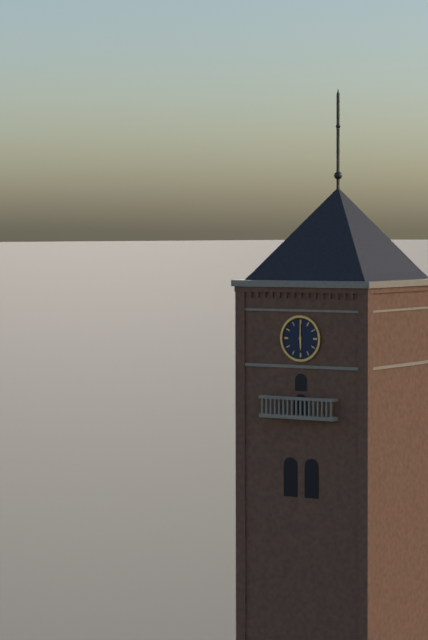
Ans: 6:00
